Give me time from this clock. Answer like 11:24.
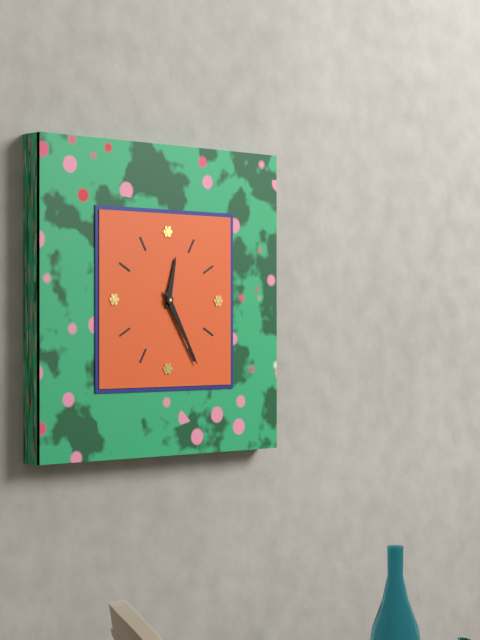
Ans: 12:25
